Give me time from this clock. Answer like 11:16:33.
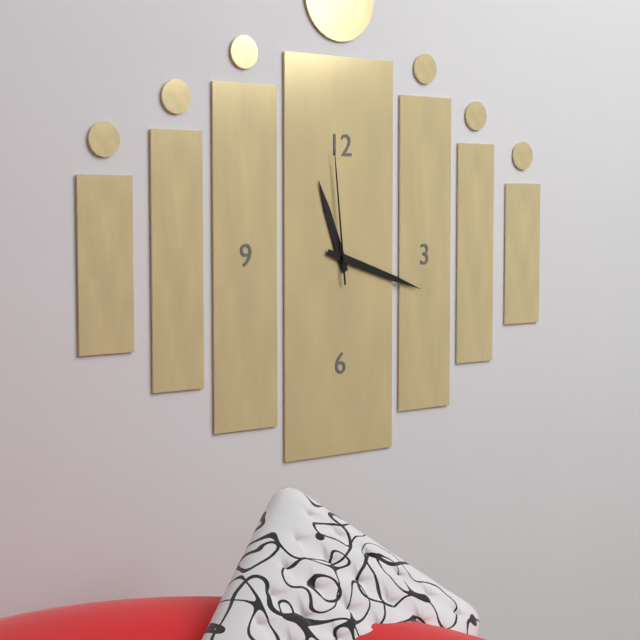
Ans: 11:18:59
